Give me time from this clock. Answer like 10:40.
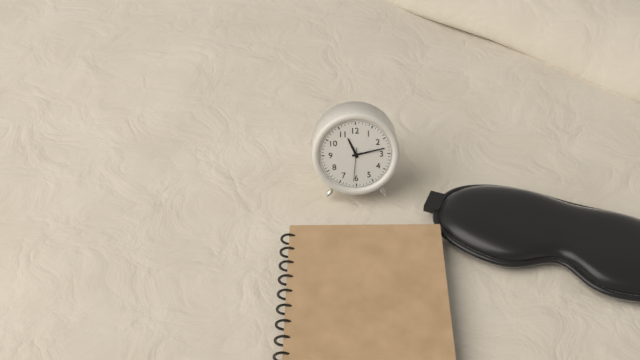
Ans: 11:13
